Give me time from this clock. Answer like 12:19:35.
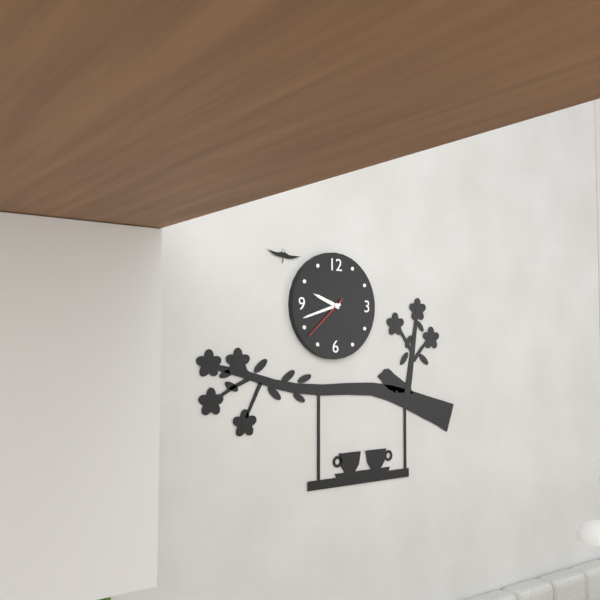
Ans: 9:42:38
